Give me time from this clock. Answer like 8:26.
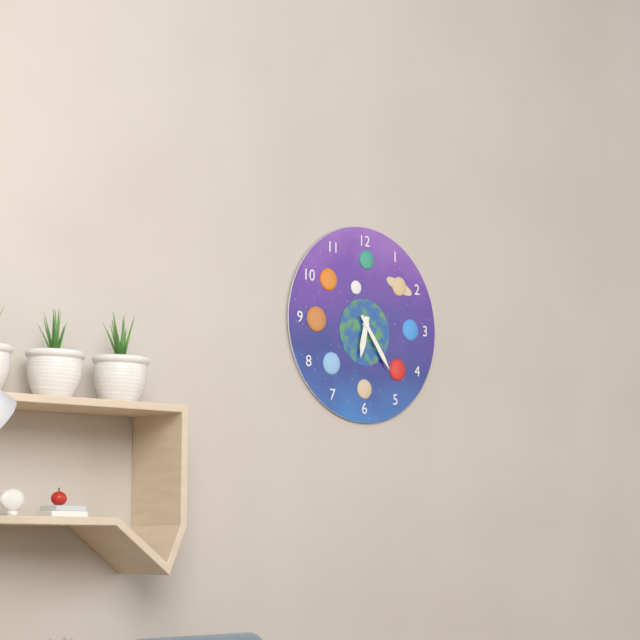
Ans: 6:24
